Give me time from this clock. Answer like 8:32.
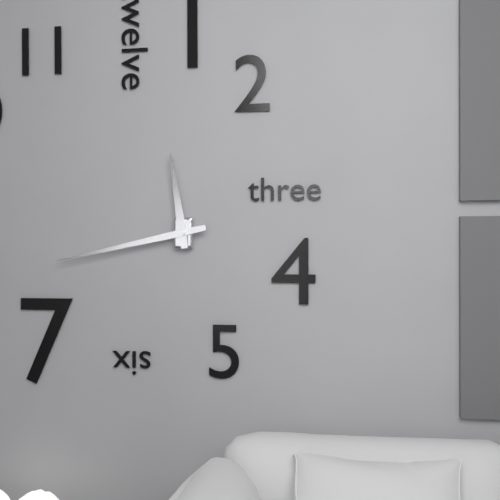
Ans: 11:43
